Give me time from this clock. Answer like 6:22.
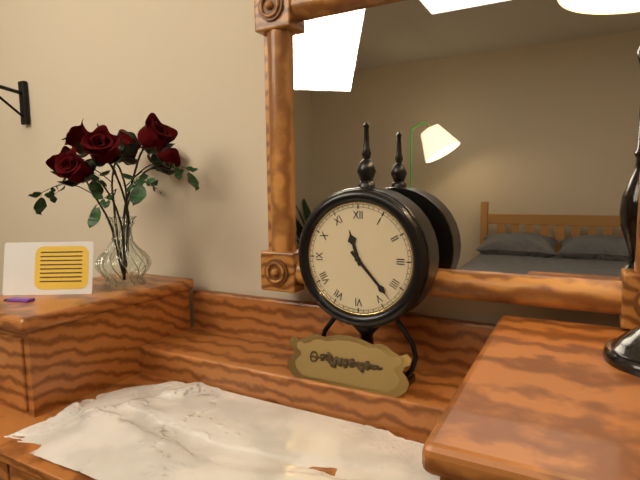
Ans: 11:23
